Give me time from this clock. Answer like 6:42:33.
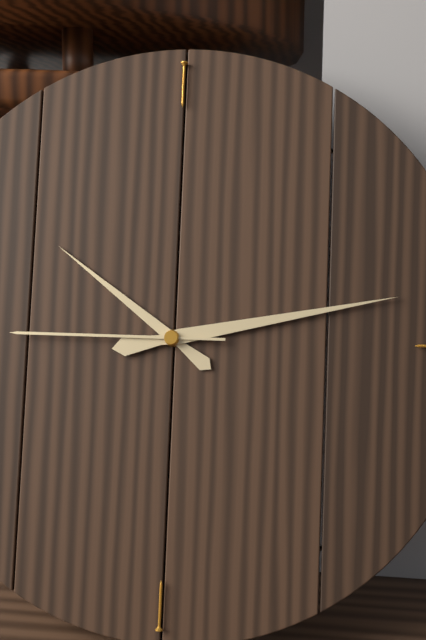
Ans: 10:13:45
